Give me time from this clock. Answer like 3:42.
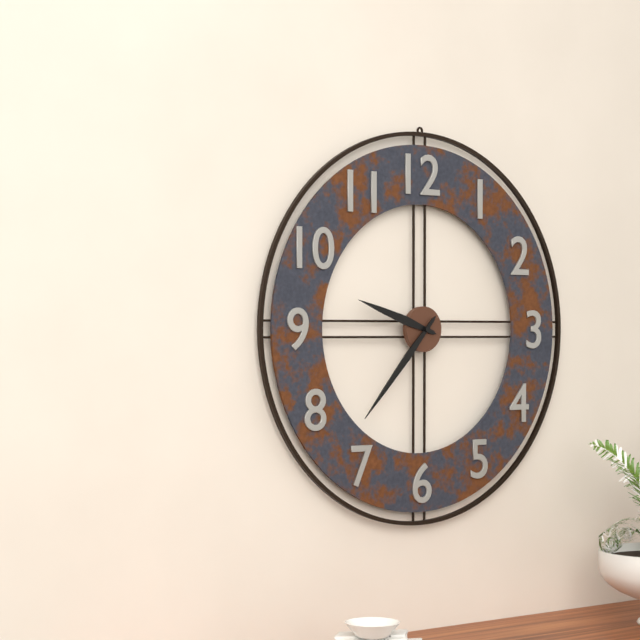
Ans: 9:37
